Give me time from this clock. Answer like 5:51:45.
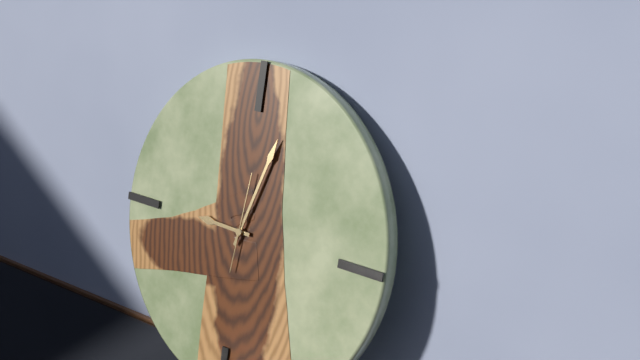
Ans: 9:03:01
